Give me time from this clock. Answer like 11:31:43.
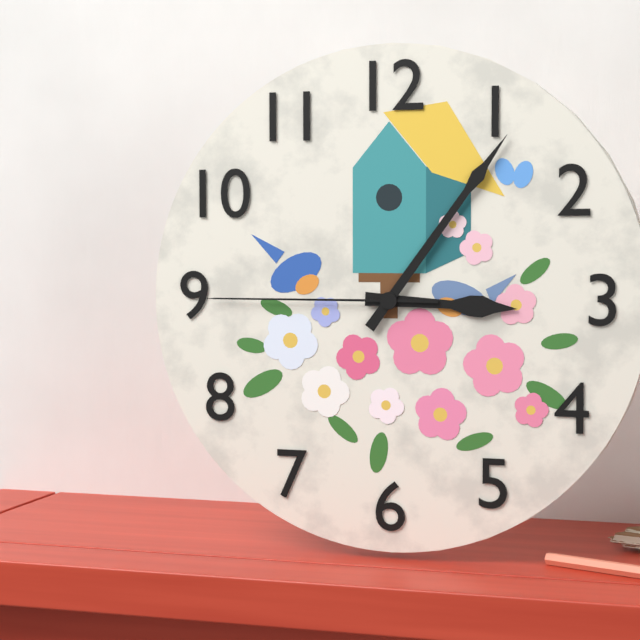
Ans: 3:06:45
